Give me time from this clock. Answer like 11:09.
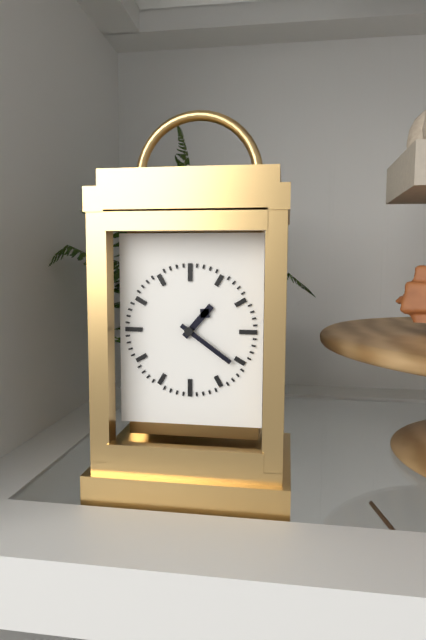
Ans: 1:21
